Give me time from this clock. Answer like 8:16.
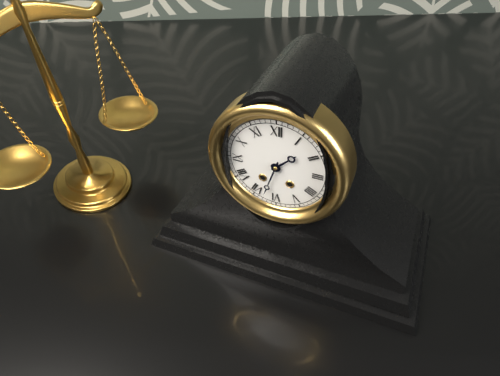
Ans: 1:33
